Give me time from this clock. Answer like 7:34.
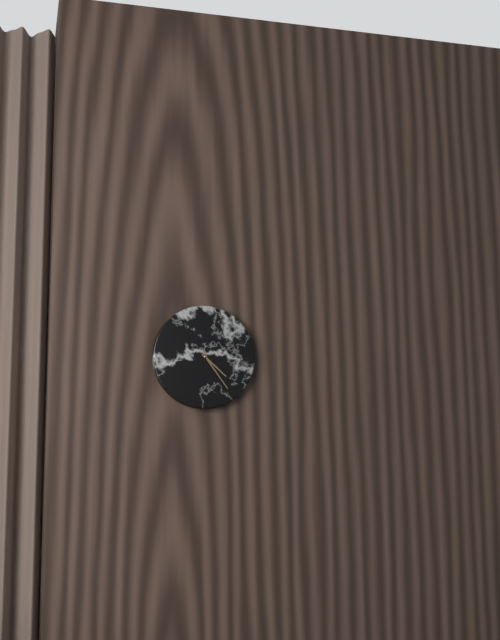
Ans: 4:24
